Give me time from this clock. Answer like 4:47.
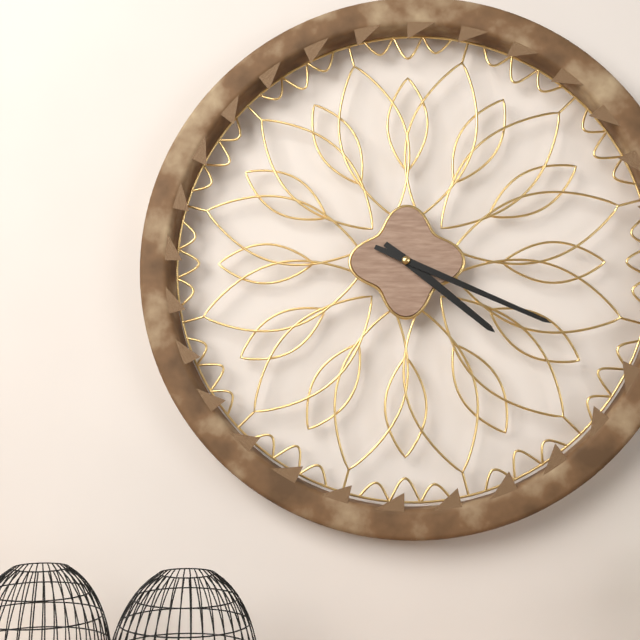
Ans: 4:19
